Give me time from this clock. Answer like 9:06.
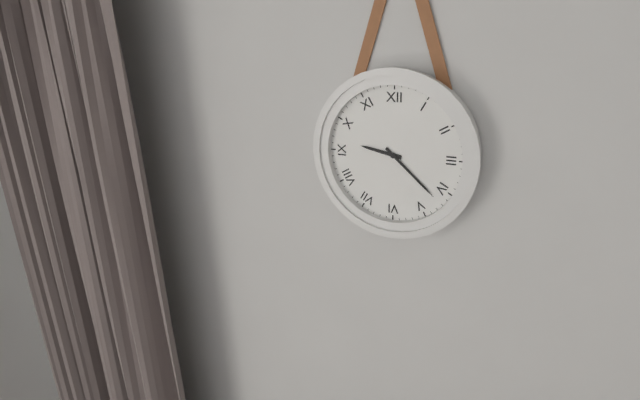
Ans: 9:22
